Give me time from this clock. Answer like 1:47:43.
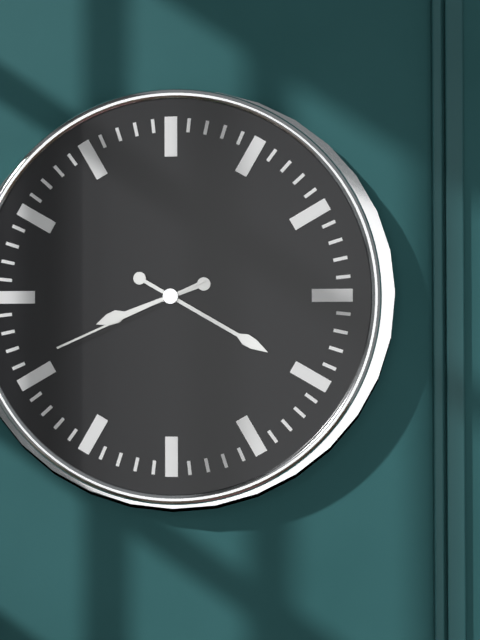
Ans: 8:20:41
